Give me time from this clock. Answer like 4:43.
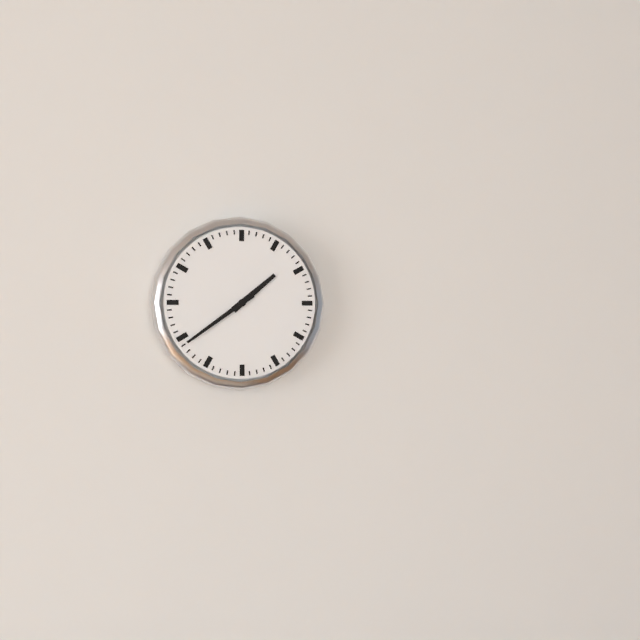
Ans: 1:39
